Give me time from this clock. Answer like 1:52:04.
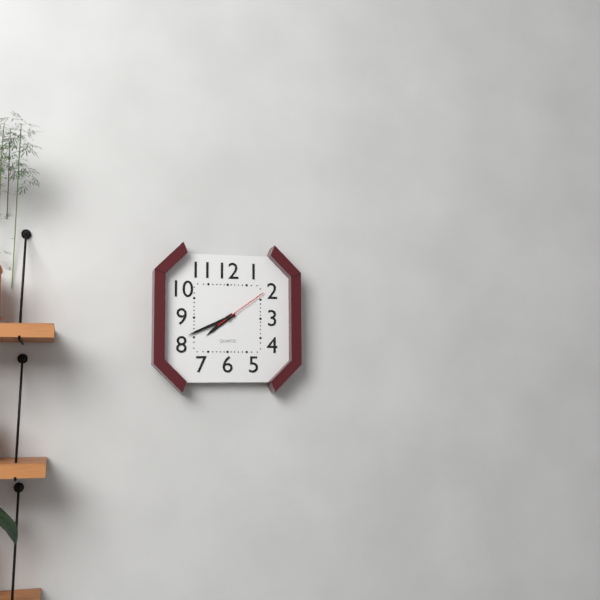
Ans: 7:41:09
